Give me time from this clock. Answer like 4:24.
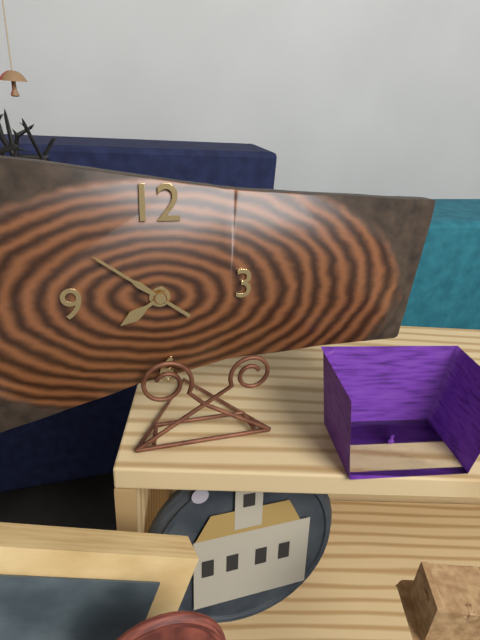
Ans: 7:51
